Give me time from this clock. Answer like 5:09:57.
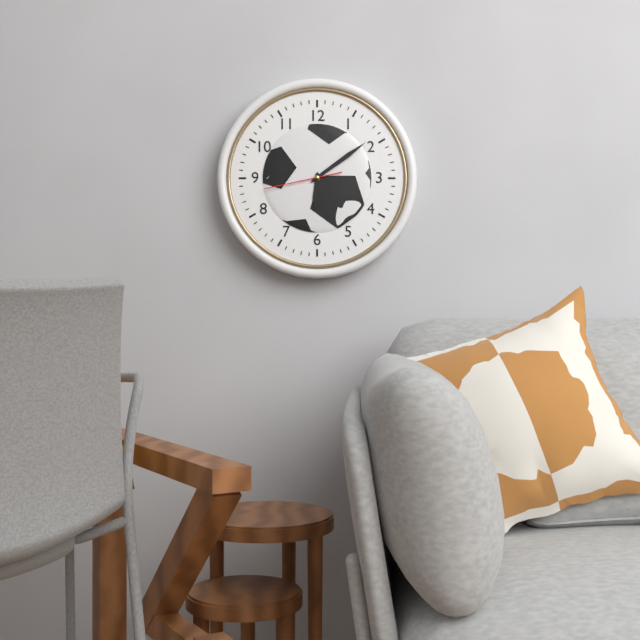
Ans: 6:09:43
